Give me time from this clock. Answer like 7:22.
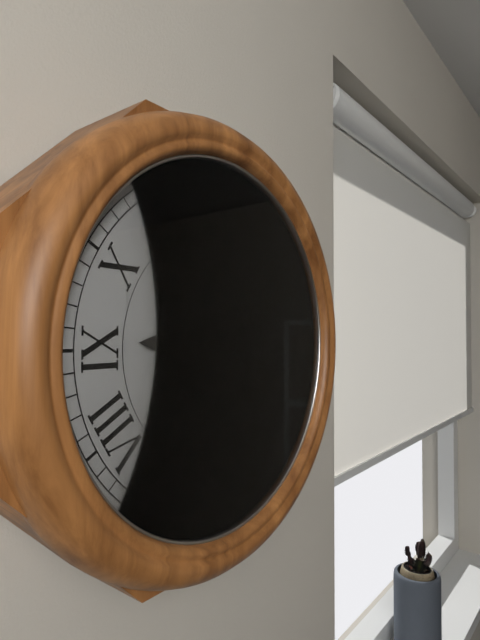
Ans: 9:06
